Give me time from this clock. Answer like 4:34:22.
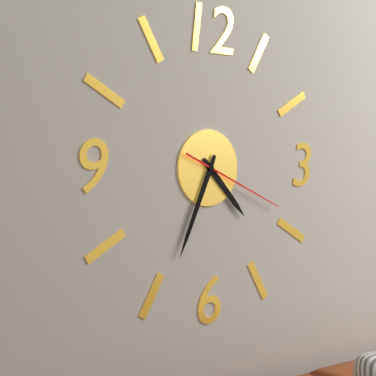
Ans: 4:34:19
